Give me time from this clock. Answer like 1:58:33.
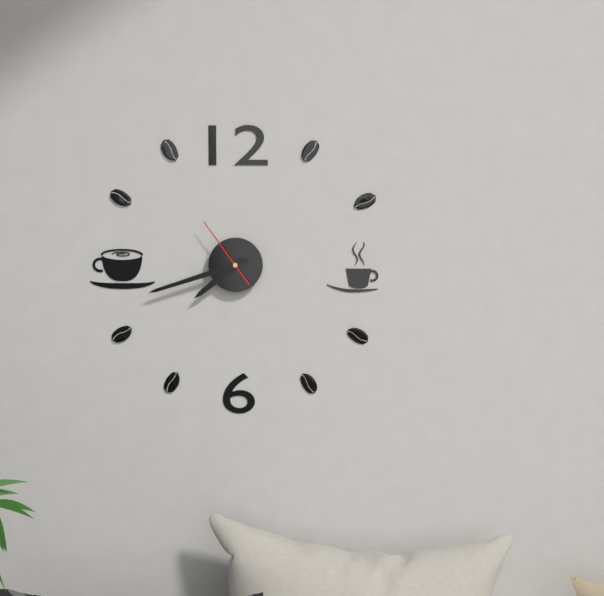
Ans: 7:42:54
